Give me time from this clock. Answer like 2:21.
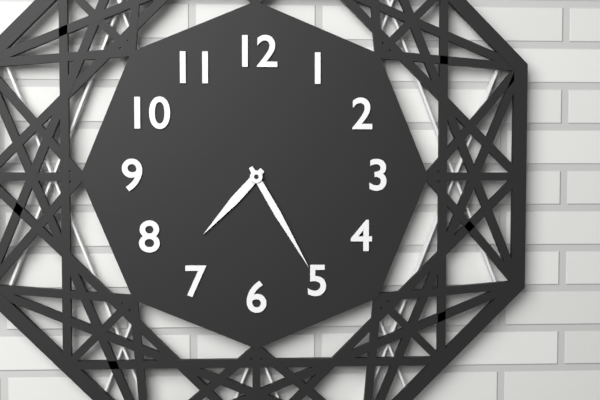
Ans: 7:25
